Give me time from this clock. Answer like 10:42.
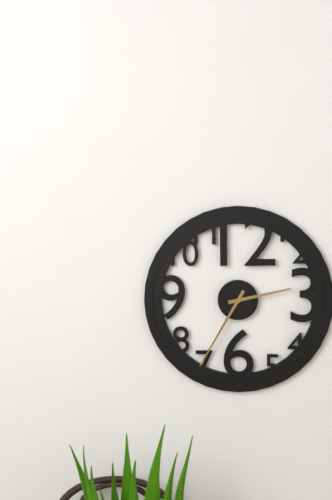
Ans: 2:35
